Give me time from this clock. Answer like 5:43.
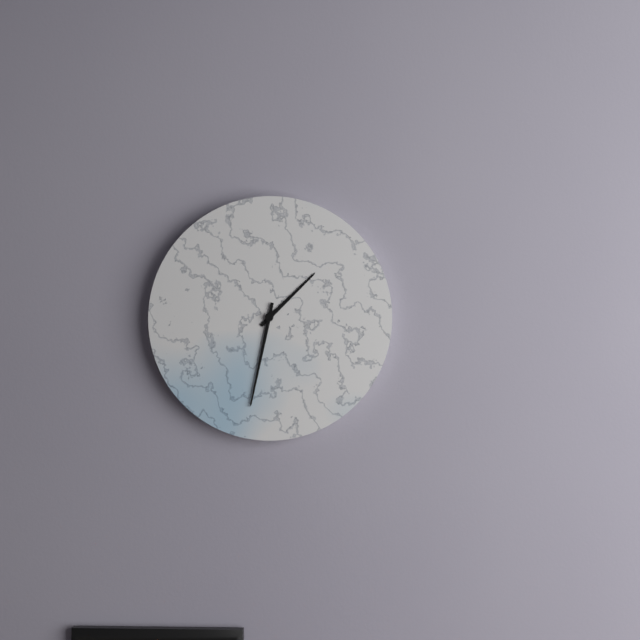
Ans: 1:32
